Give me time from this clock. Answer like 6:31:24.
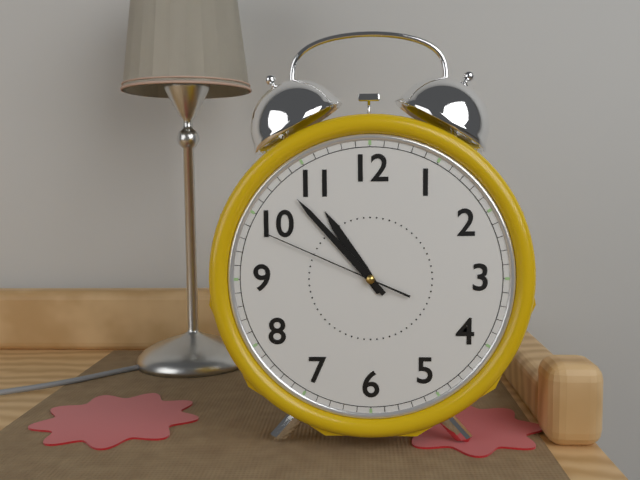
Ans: 10:53:49
